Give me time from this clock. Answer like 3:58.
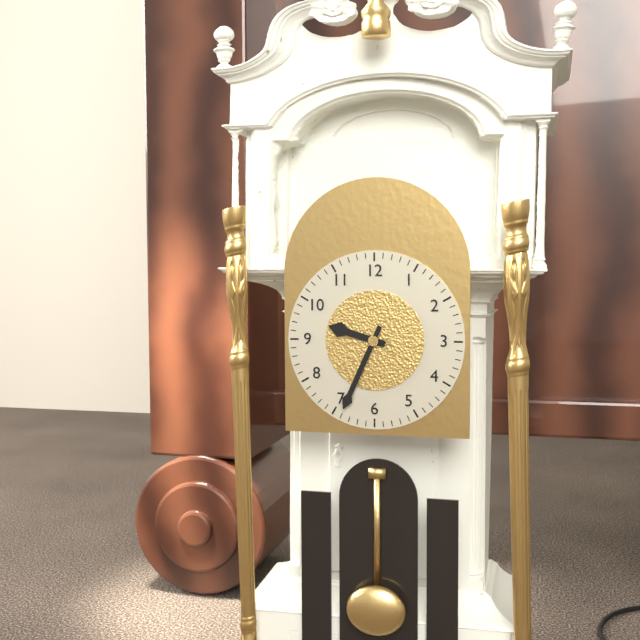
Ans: 9:34
